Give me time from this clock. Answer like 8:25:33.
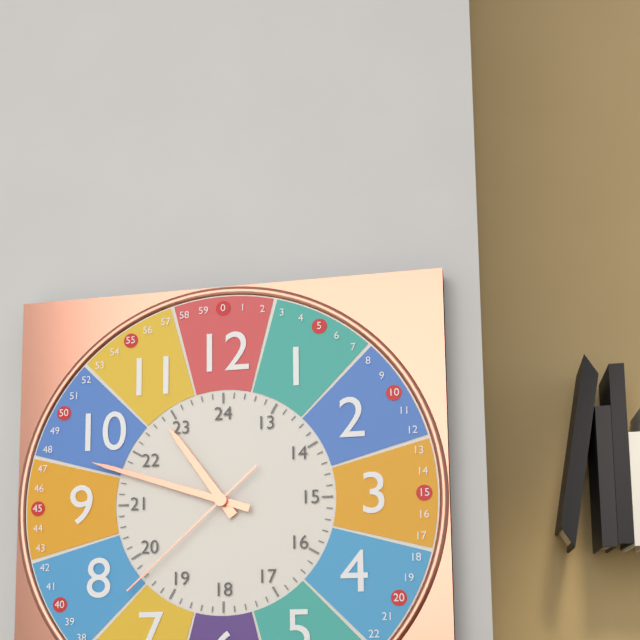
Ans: 10:48:38
